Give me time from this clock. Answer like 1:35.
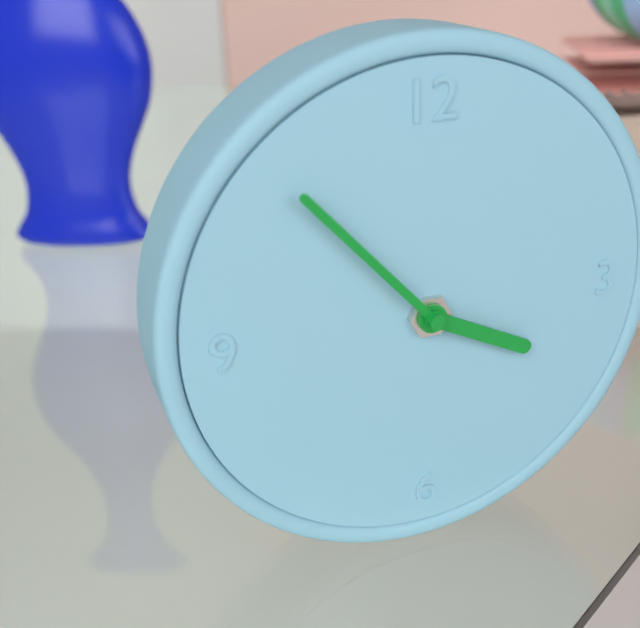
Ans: 3:53
